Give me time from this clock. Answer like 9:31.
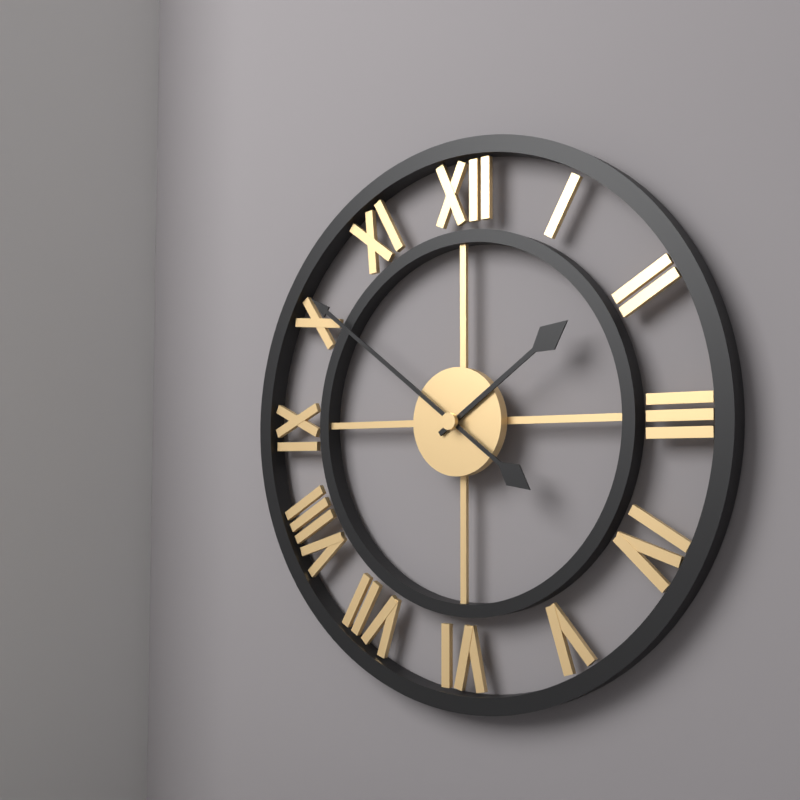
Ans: 1:51
